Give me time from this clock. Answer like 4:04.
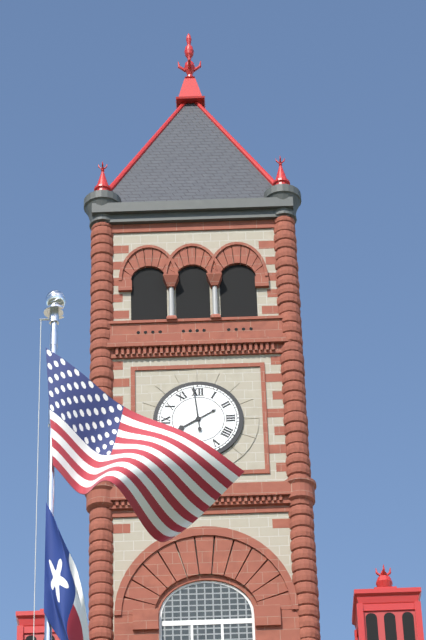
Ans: 7:59
